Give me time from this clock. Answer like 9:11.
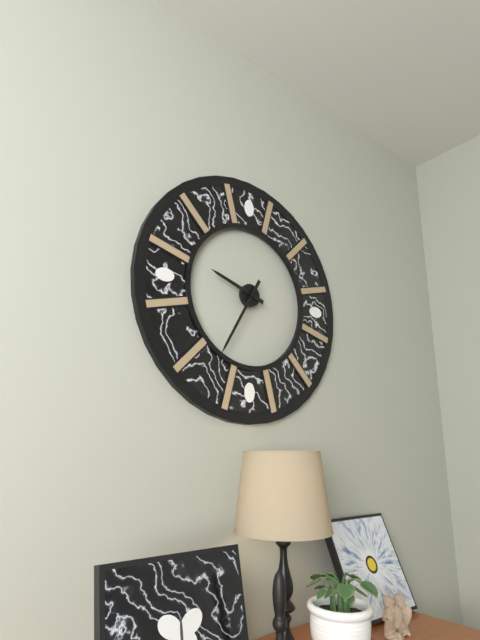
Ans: 9:35
